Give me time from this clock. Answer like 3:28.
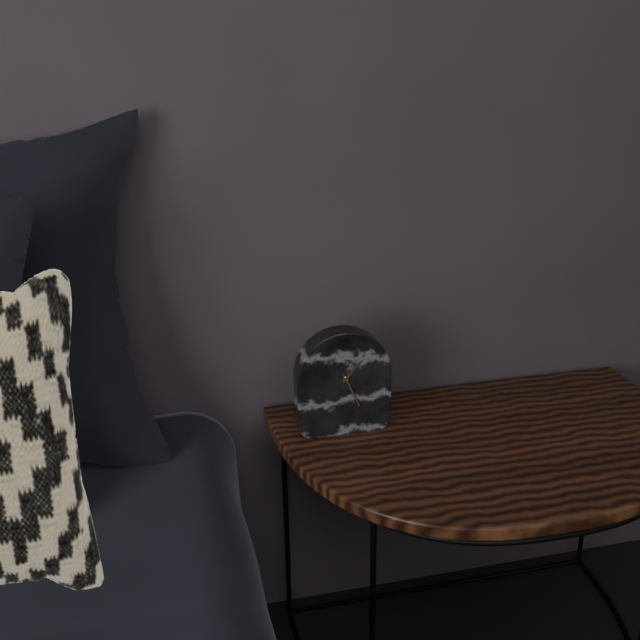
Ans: 1:26
